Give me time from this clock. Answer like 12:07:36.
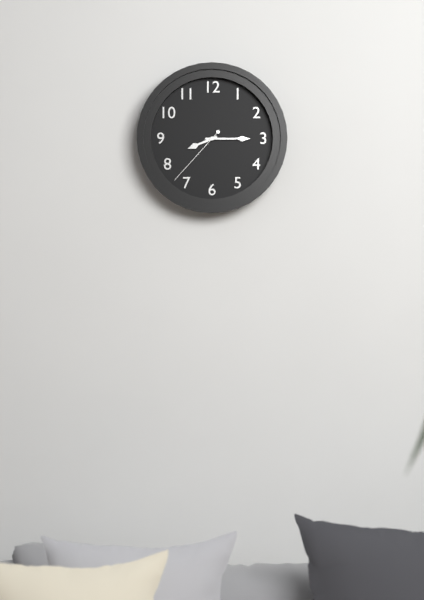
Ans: 8:15:37
